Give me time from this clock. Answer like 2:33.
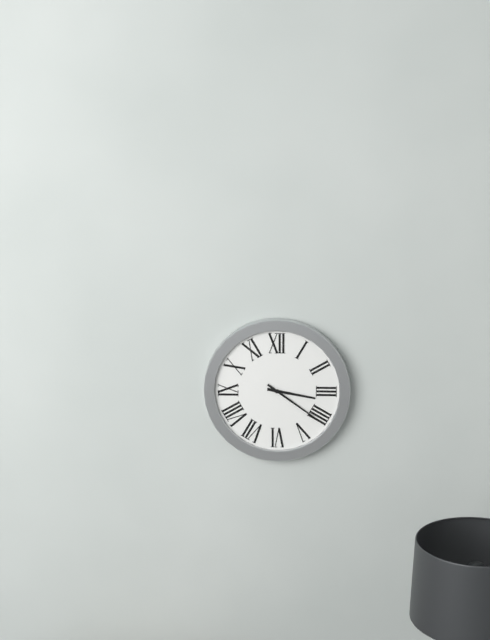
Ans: 3:21
